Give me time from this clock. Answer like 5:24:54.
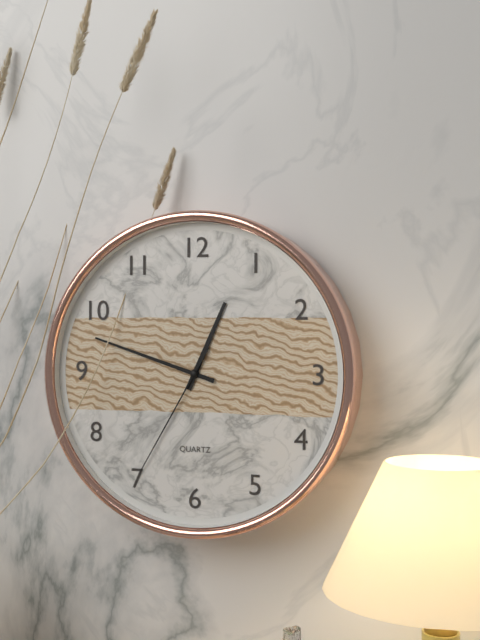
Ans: 12:48:35
